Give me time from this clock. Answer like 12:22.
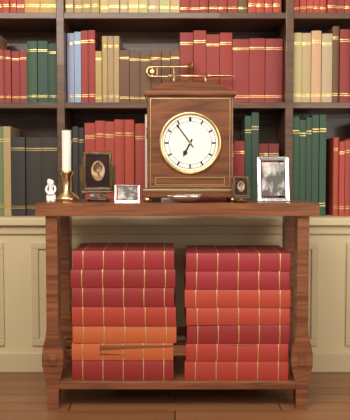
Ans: 6:54
